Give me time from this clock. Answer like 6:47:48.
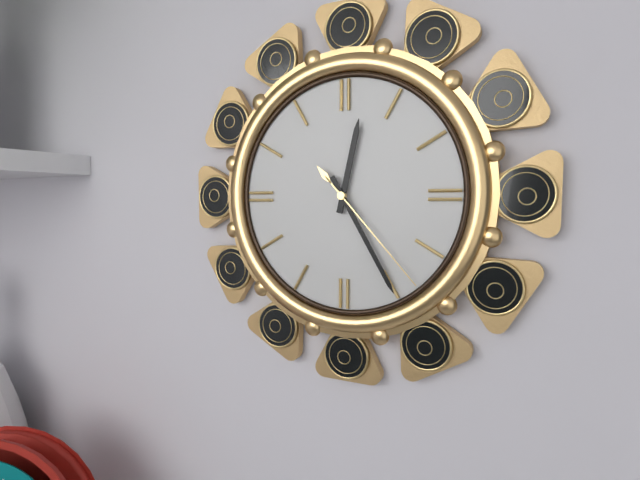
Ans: 12:25:23
